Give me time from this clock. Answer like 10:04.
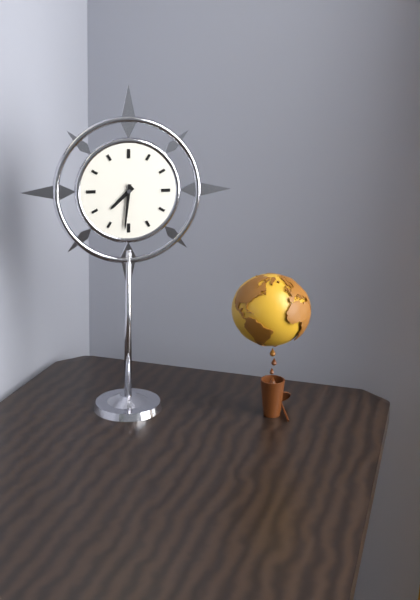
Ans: 7:31
